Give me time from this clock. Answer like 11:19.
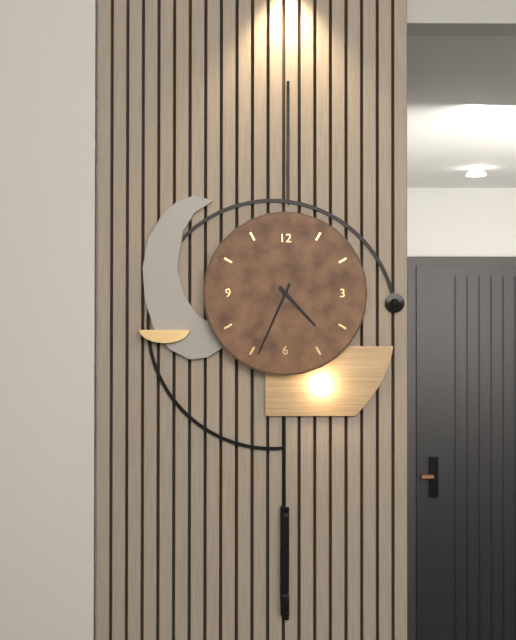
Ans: 4:34
